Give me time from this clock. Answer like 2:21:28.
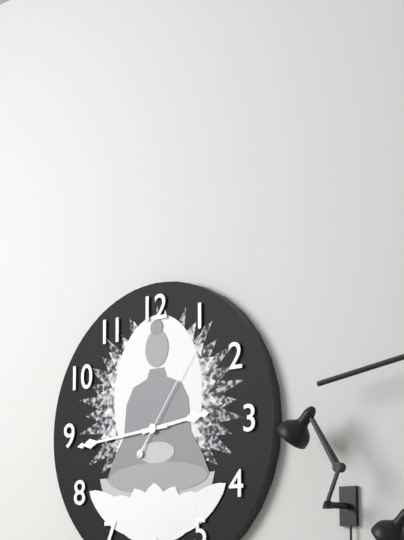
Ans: 2:44:06
